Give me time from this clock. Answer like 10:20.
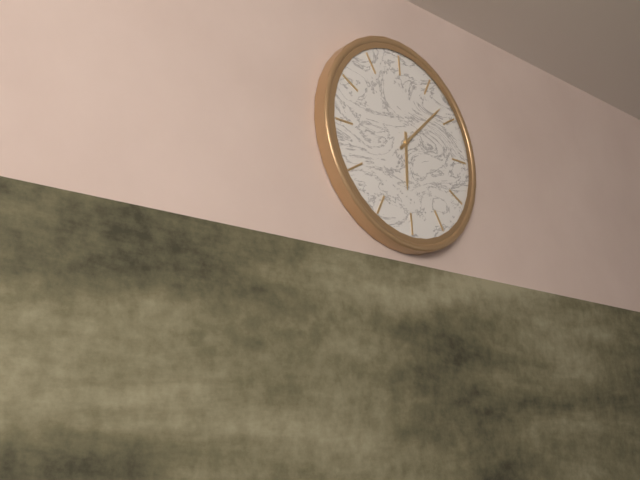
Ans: 6:08
